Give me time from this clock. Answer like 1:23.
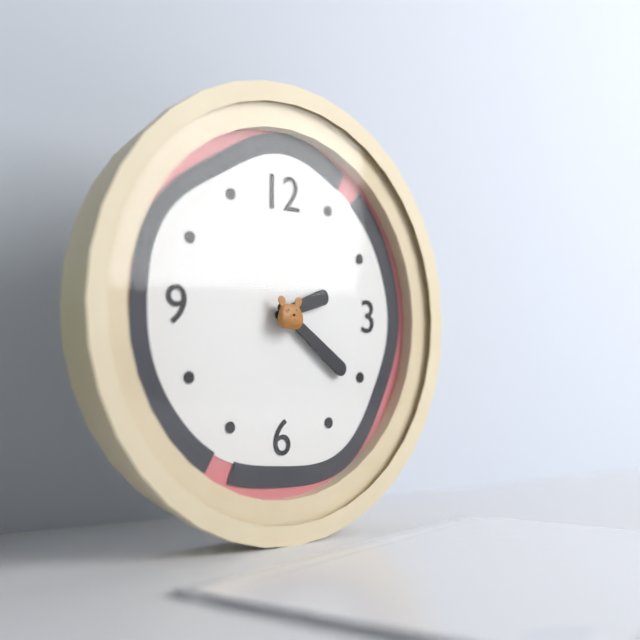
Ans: 2:21
